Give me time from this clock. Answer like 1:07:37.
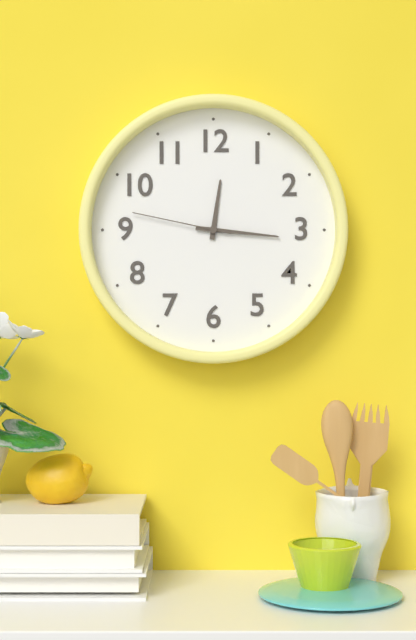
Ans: 12:16:47
